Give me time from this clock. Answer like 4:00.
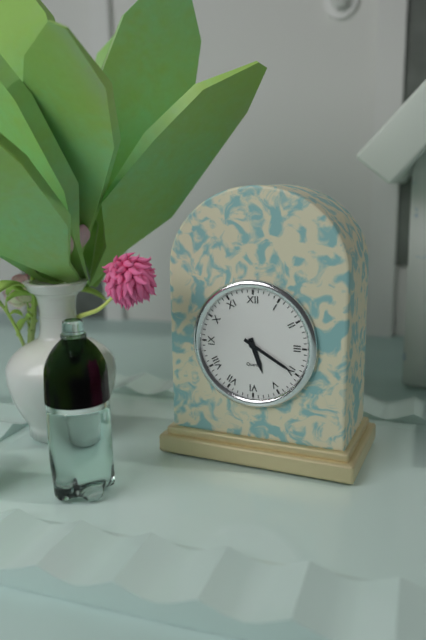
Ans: 5:20
